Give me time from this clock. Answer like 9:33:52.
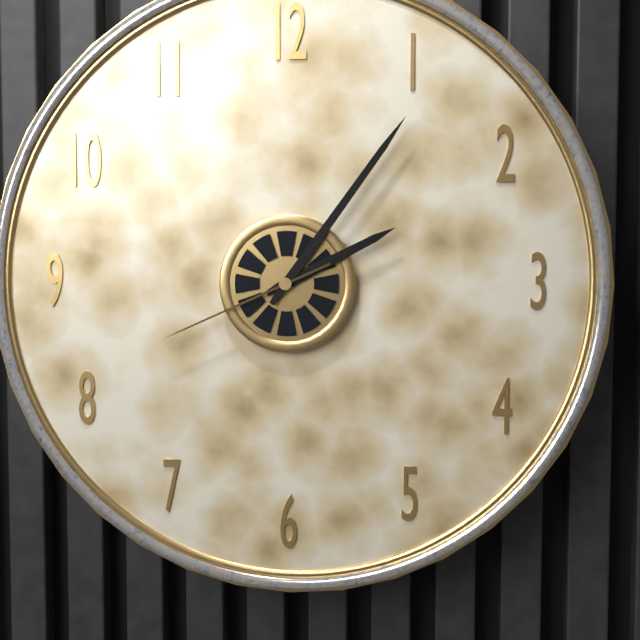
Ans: 2:06:41
